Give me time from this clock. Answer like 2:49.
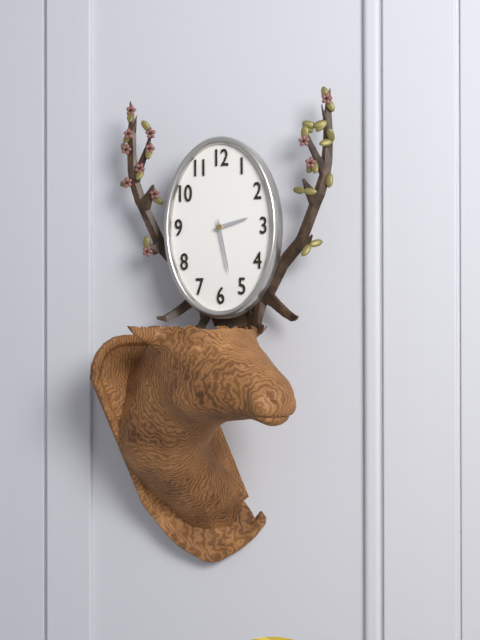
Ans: 2:28
